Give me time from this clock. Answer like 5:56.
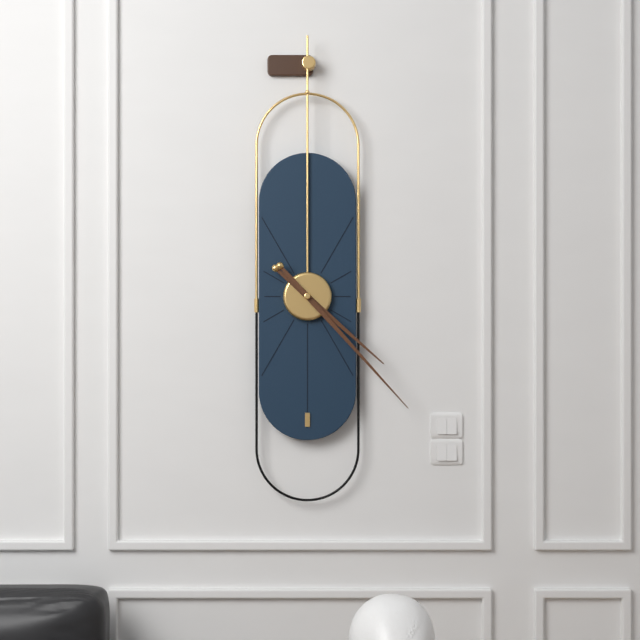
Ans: 4:23
